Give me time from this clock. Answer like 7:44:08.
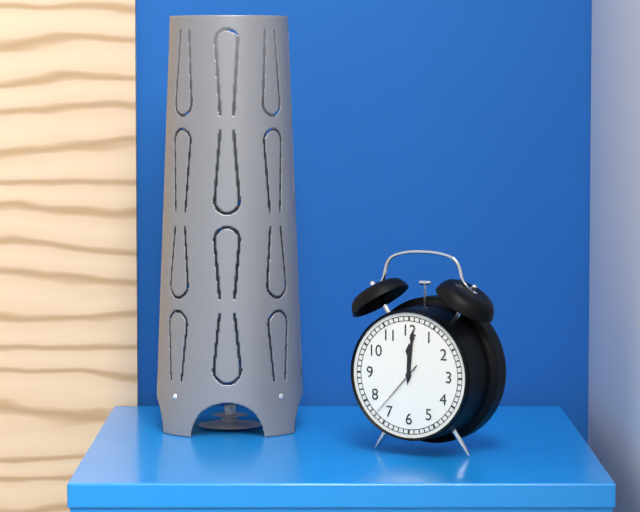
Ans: 12:01:37
